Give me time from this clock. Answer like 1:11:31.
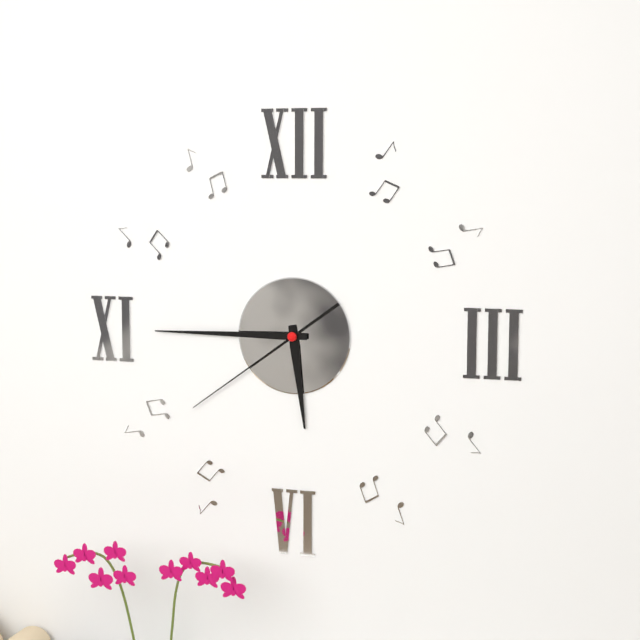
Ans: 5:45:39
